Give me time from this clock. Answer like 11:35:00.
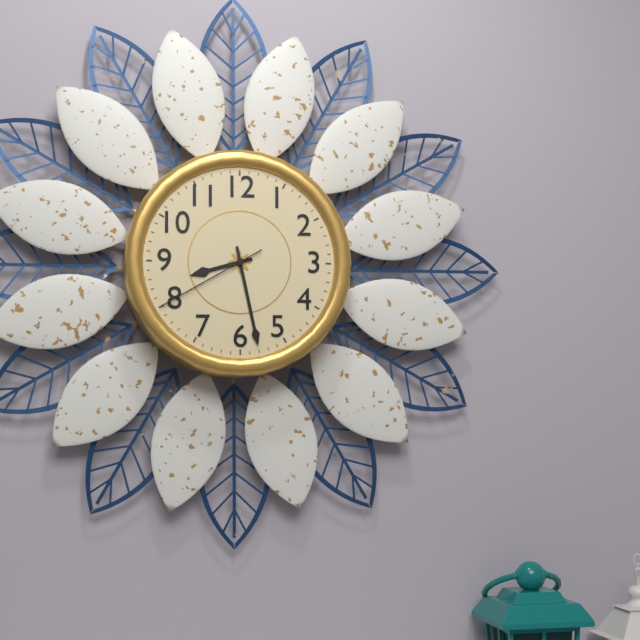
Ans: 8:28:40
